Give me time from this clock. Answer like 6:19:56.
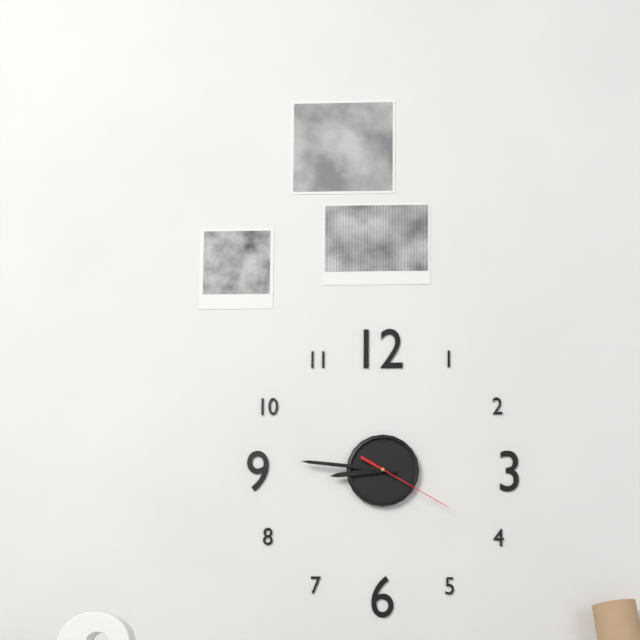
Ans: 8:46:20
